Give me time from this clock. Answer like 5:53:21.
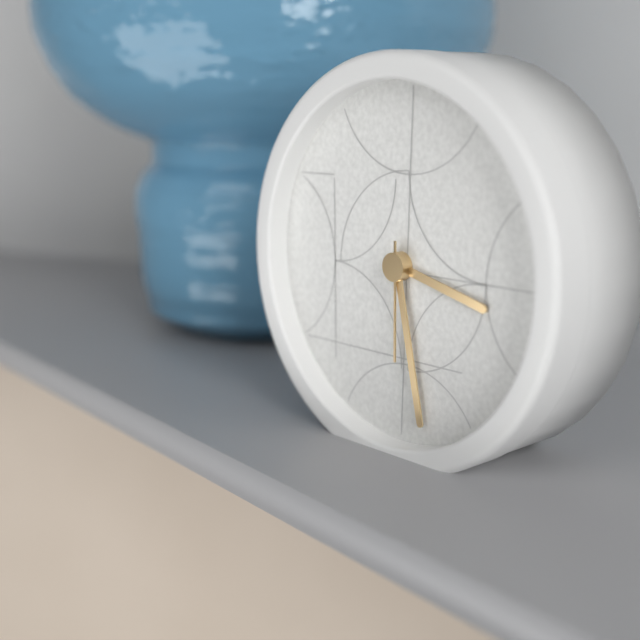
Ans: 3:28:30
